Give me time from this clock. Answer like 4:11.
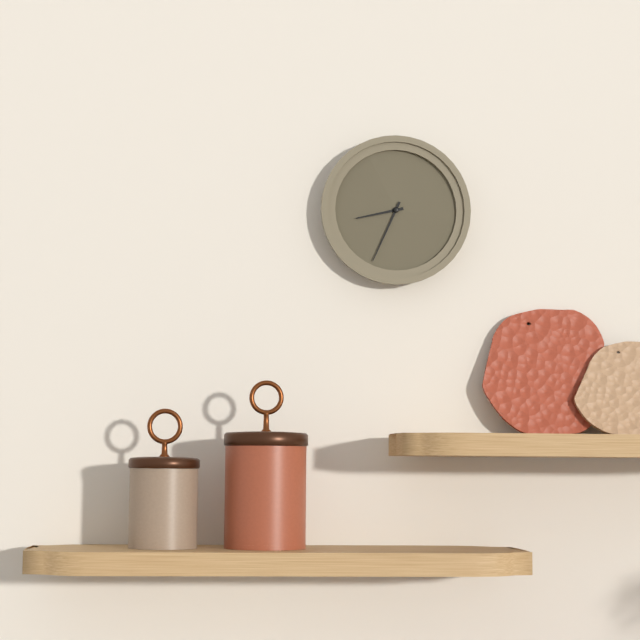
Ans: 8:34
